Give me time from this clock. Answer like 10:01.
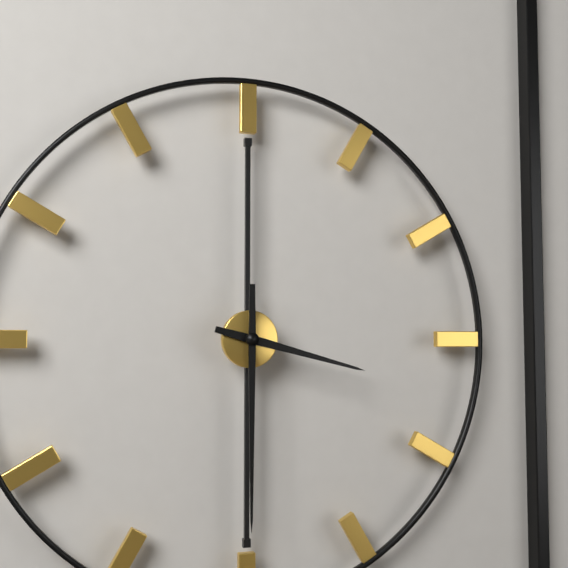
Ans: 3:30
